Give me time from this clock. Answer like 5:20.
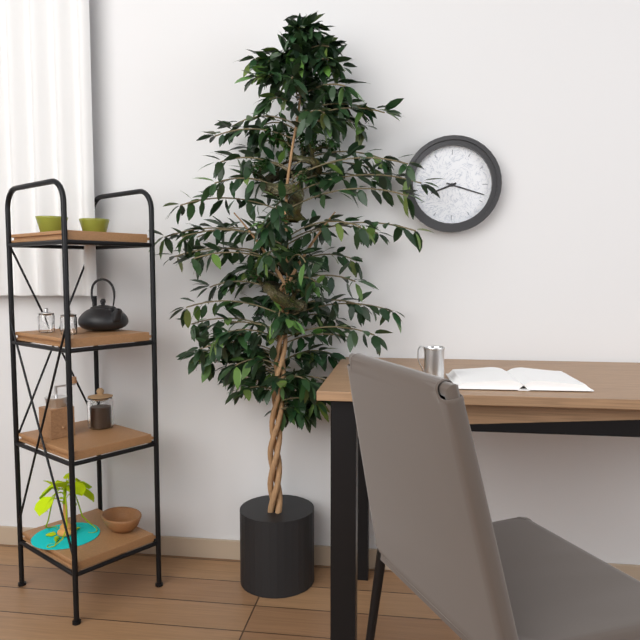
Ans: 8:18
